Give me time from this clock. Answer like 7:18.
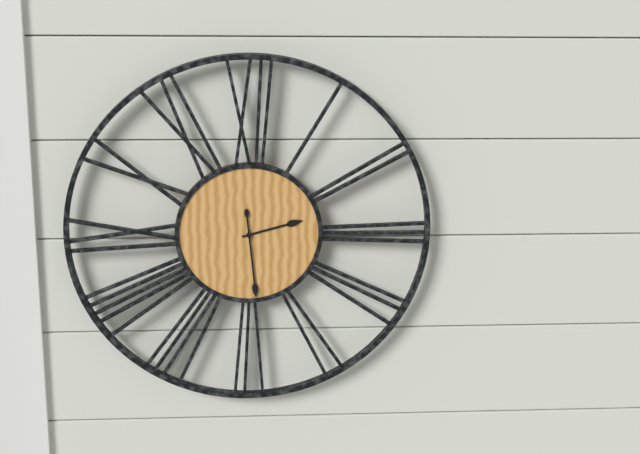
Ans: 2:29
